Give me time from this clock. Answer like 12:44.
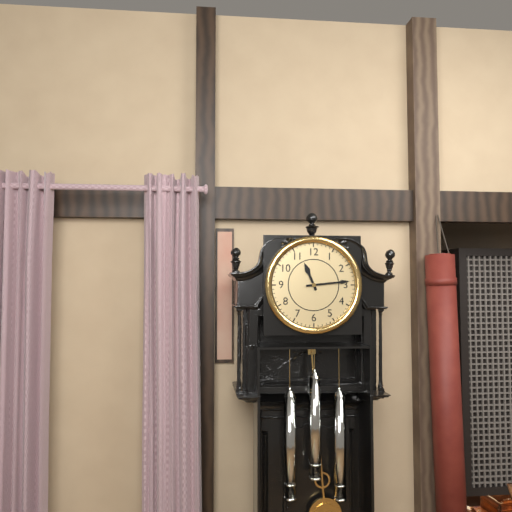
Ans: 11:14
